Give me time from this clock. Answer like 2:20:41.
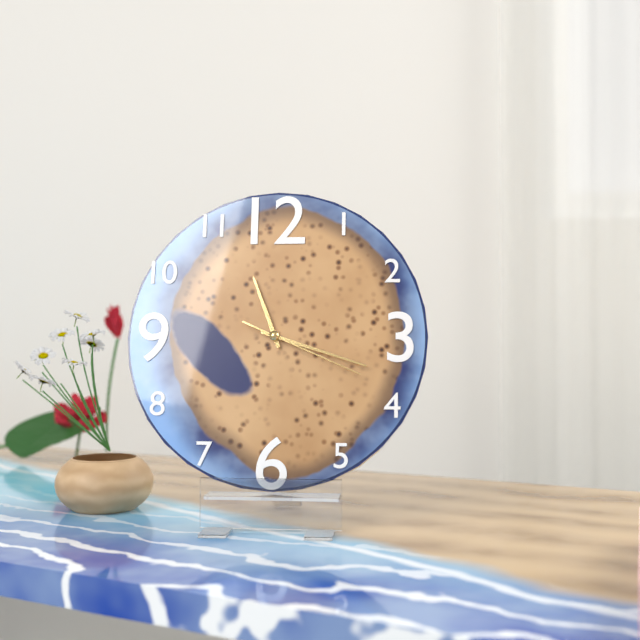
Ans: 11:18:19
